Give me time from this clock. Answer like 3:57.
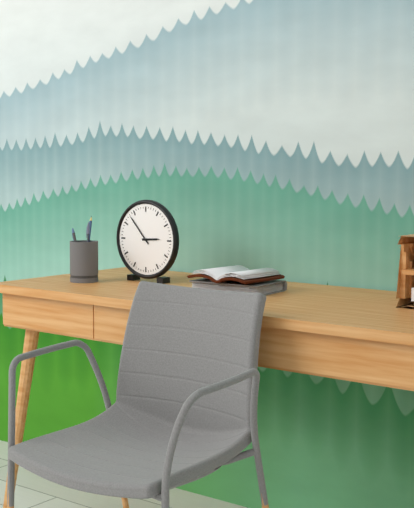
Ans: 2:53
